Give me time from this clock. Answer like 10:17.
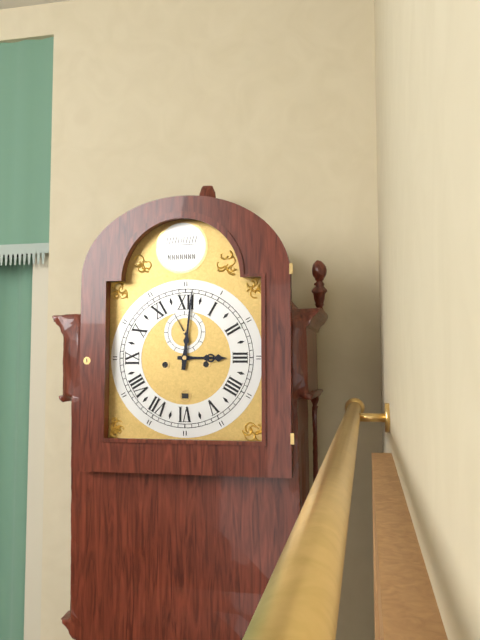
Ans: 3:01
